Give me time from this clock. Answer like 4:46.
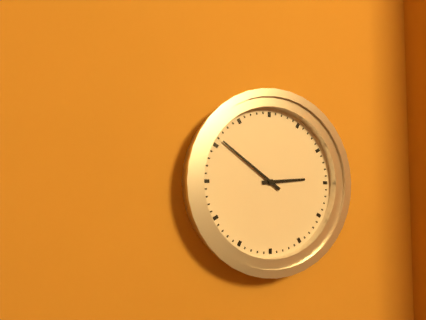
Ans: 2:51
